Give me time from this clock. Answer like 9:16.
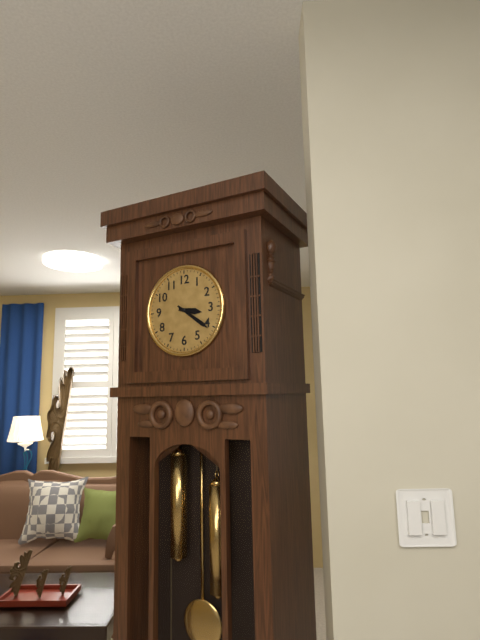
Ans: 3:21
